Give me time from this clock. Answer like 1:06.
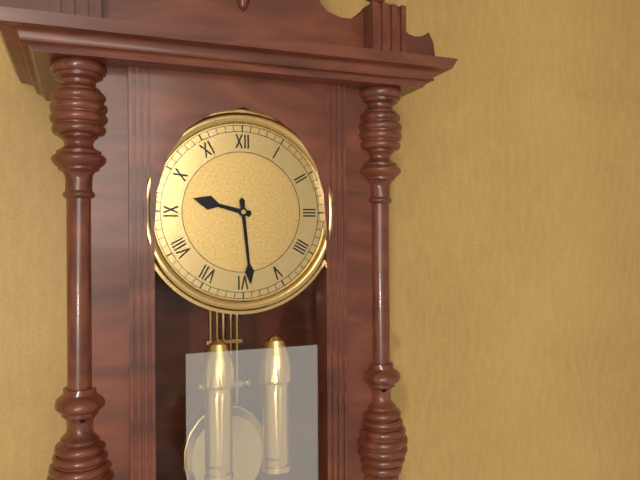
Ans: 9:29
